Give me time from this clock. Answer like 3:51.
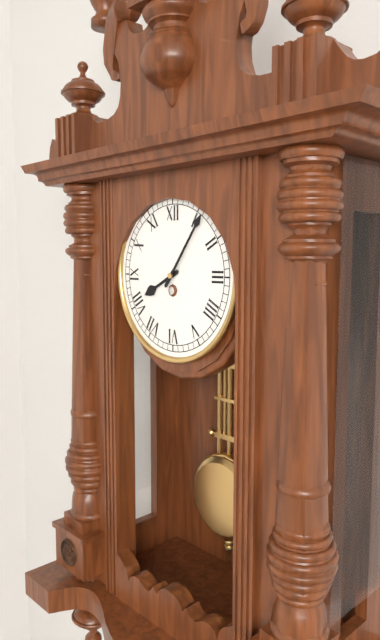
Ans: 8:06
